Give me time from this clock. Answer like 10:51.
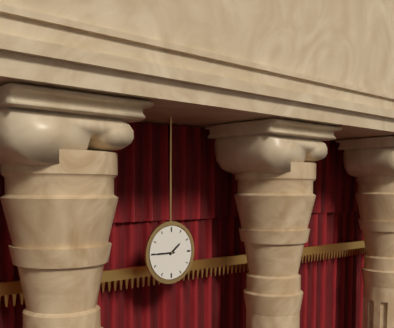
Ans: 1:45
